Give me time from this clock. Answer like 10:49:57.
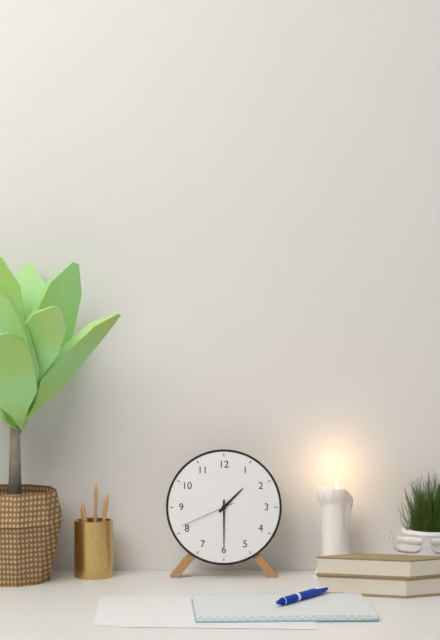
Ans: 1:30:41
